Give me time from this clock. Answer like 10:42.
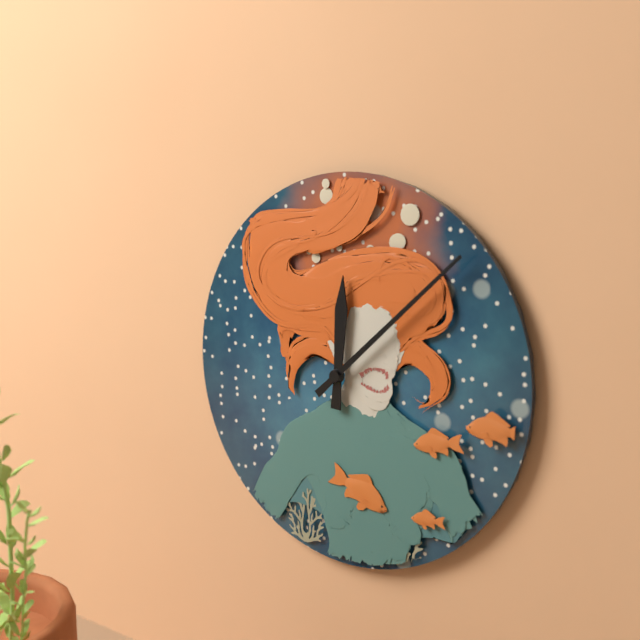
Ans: 12:08
